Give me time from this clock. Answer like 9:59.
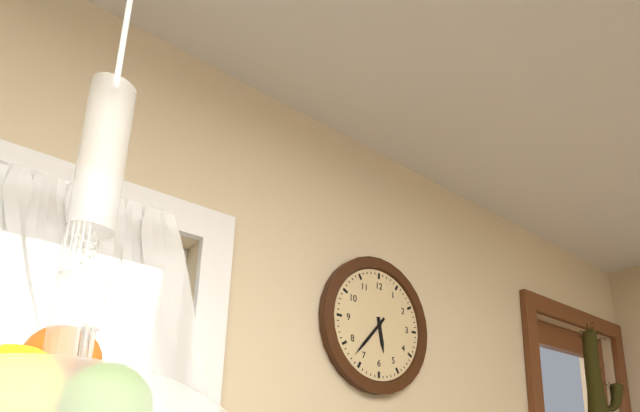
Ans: 5:37
